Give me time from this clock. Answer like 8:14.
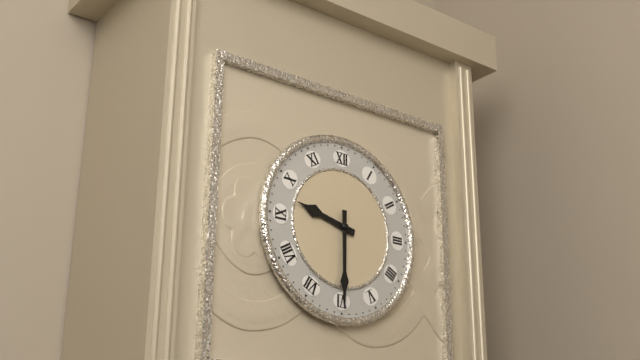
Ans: 9:30
